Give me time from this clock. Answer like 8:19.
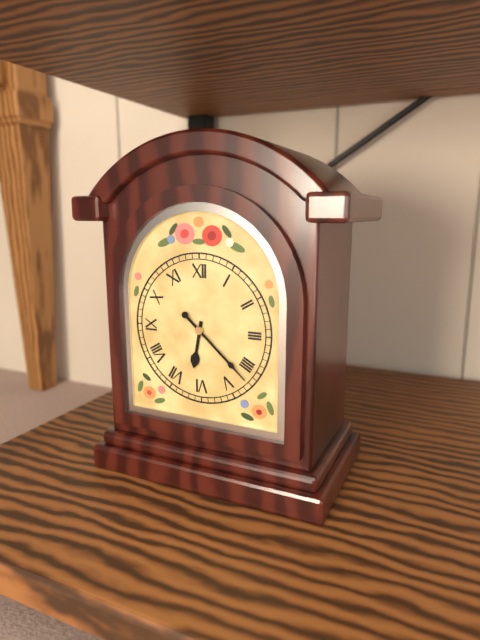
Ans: 6:22
